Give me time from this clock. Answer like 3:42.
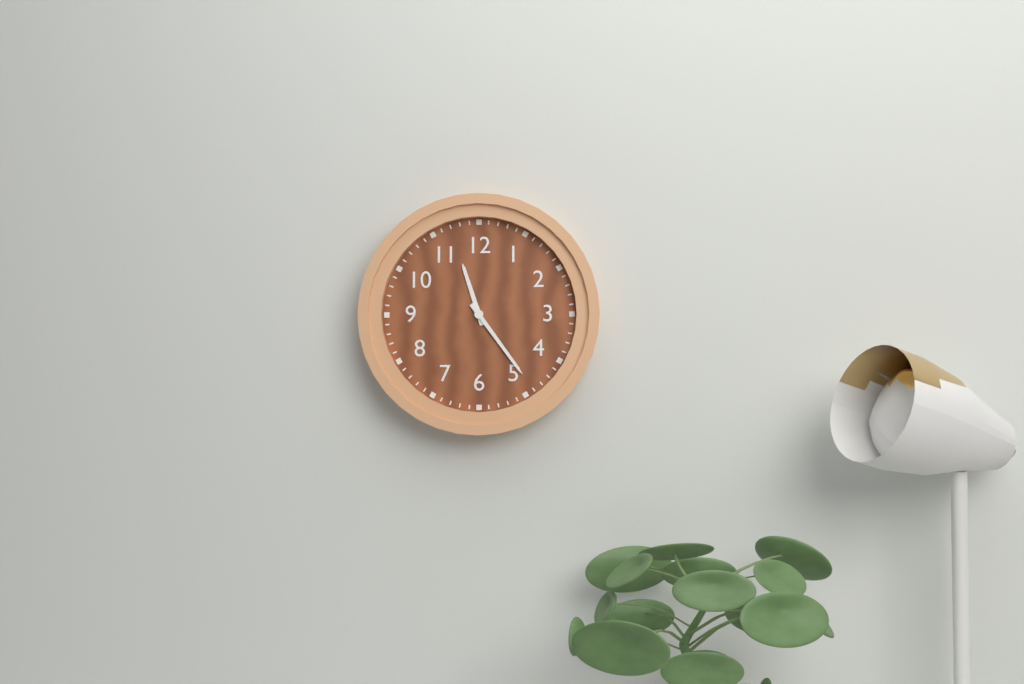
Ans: 11:24
